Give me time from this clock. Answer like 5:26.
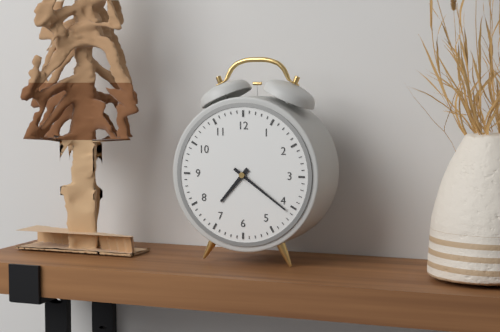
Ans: 7:21
